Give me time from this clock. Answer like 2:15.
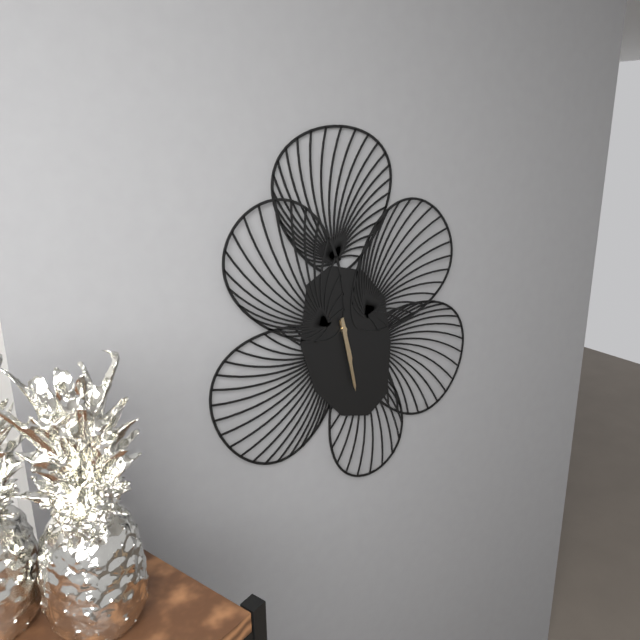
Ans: 5:28
